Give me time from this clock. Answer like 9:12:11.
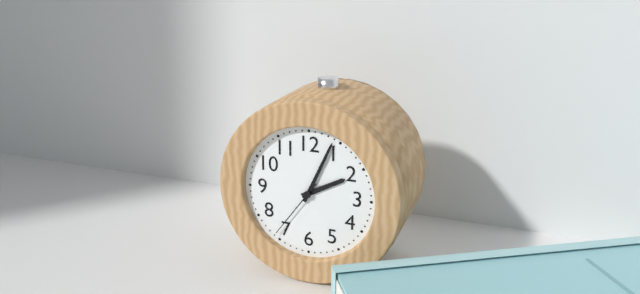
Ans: 2:04:36
